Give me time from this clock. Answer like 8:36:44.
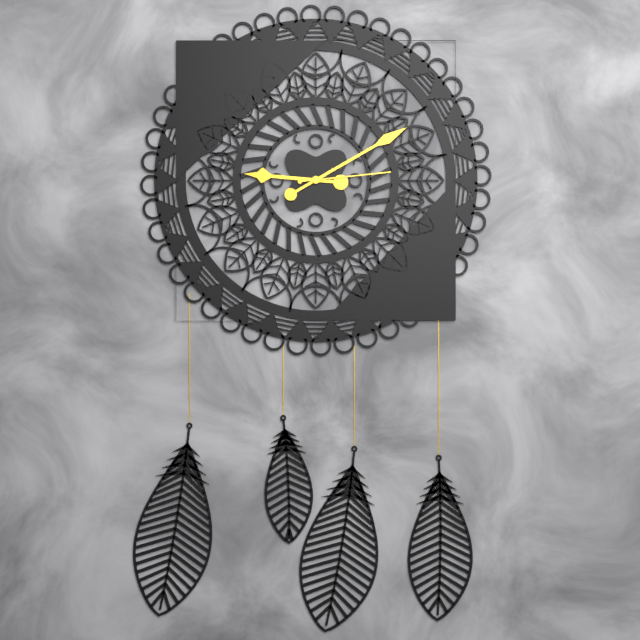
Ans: 9:10:14
